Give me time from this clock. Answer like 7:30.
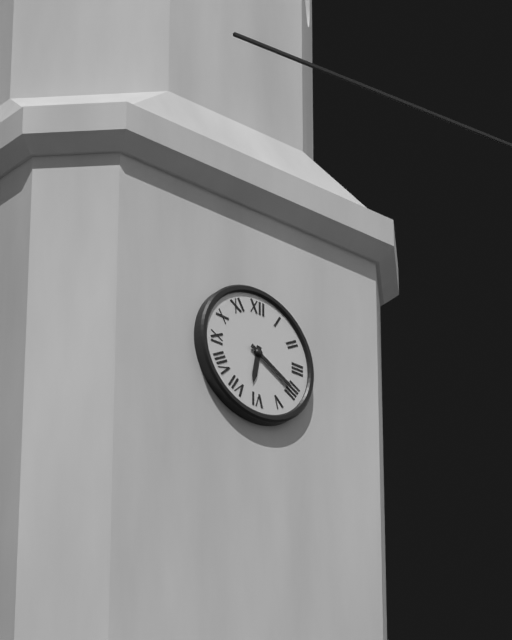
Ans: 6:20
